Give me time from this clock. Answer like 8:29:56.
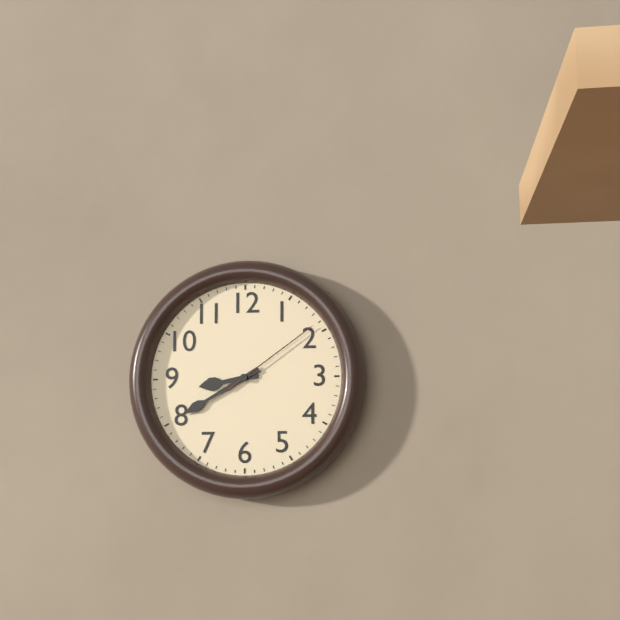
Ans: 8:40:09
